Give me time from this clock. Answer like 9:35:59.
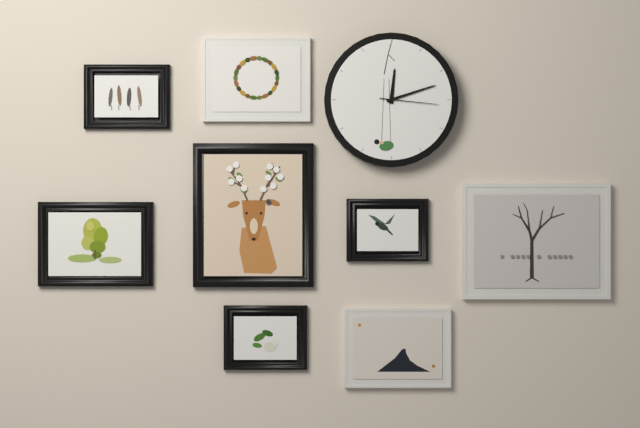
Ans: 12:12:16
